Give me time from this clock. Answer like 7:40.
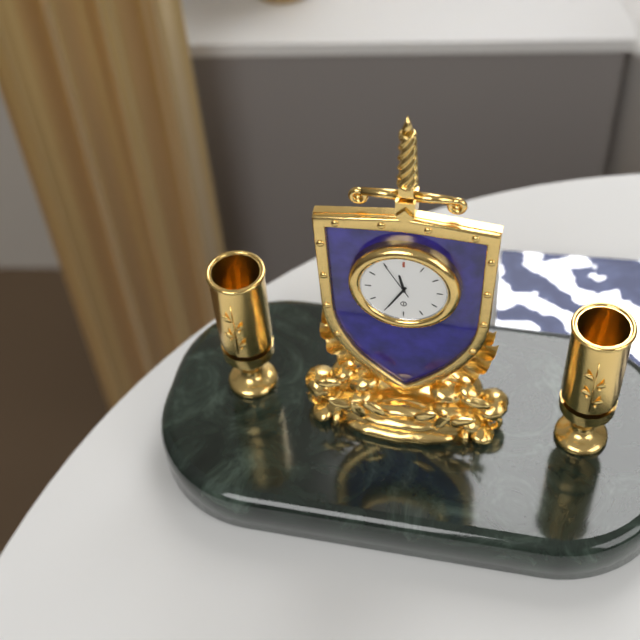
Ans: 11:35
